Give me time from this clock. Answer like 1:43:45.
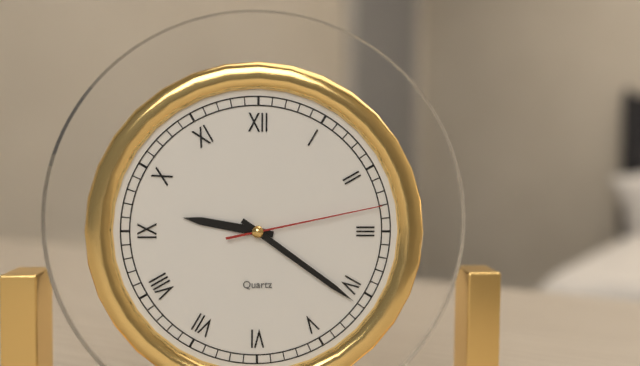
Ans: 9:21:13
